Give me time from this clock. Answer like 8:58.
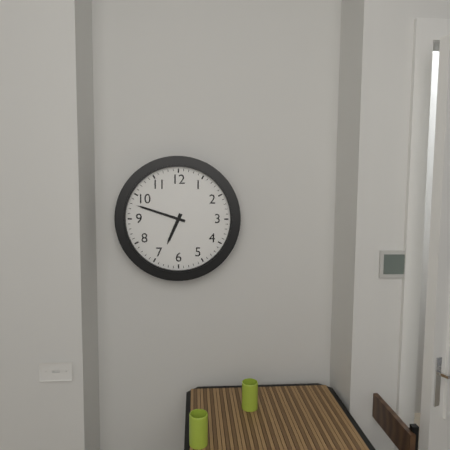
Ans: 6:48
